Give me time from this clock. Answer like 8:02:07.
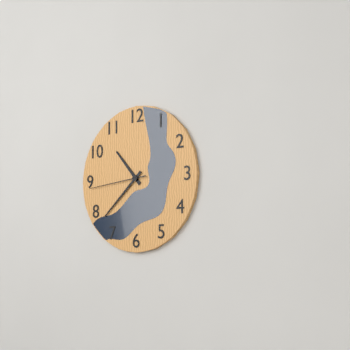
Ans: 10:38:44
